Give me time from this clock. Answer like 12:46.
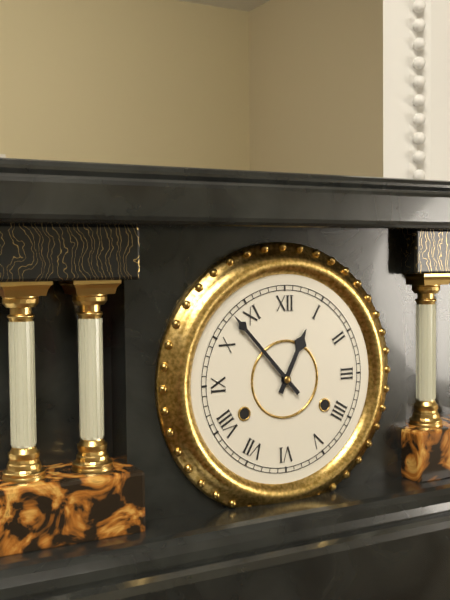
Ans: 12:53
